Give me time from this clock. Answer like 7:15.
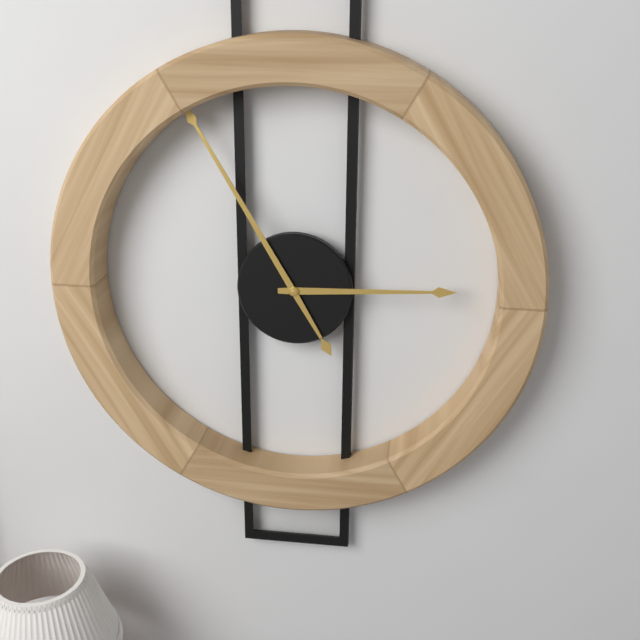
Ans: 2:55
